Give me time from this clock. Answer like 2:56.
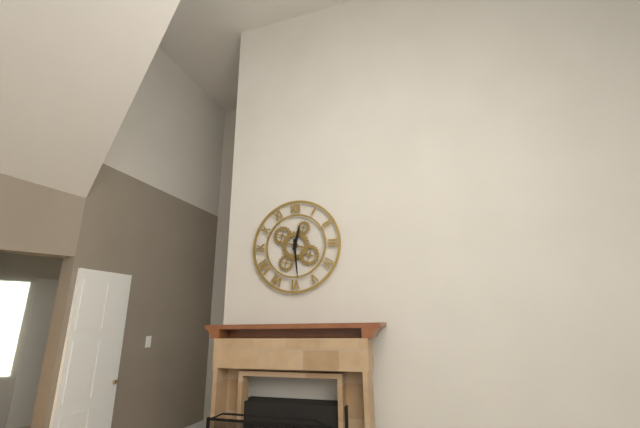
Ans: 12:29
